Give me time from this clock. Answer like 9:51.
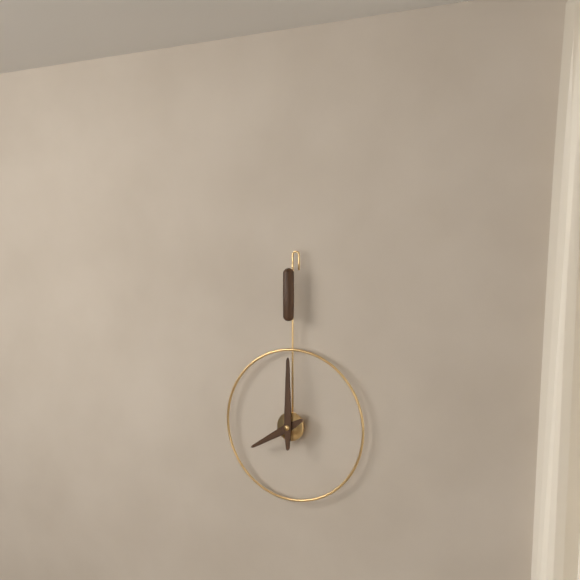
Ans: 8:00
